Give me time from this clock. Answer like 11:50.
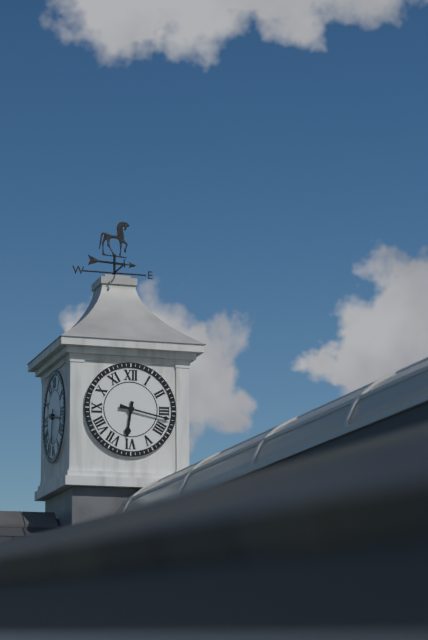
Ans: 6:17
